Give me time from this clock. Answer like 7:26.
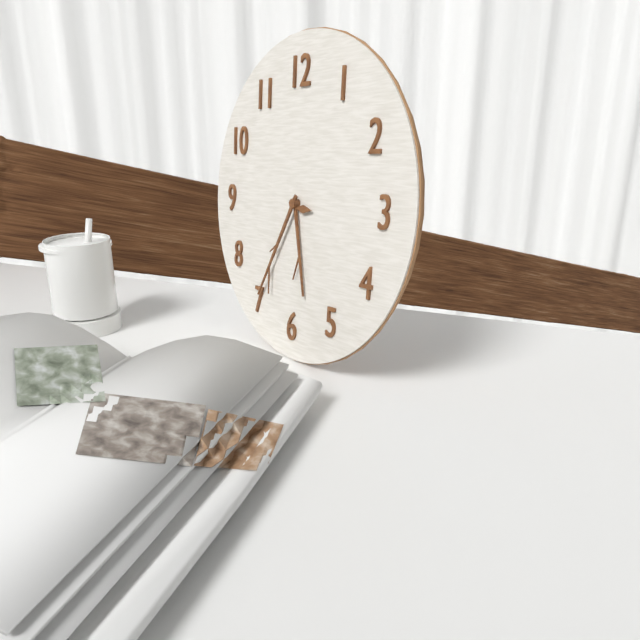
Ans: 5:35
